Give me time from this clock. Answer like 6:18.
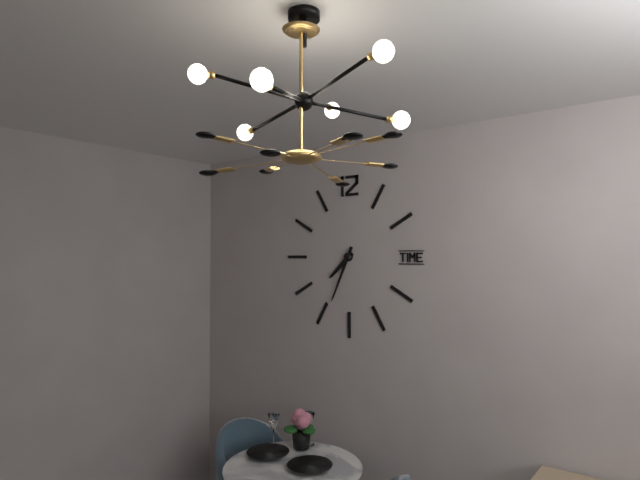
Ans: 7:34
